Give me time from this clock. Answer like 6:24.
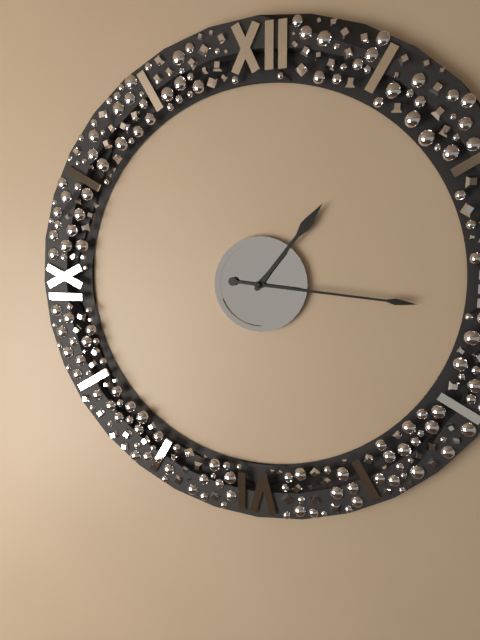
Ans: 1:16
